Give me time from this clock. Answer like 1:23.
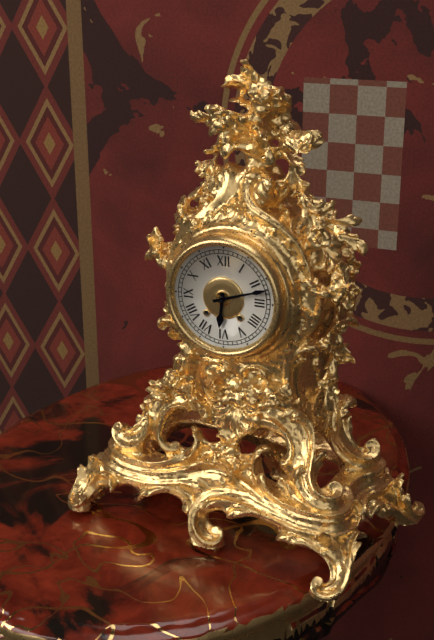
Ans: 6:12
